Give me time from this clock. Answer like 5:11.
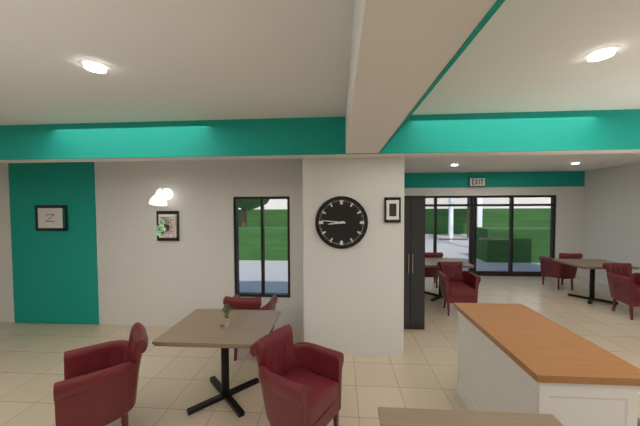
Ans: 8:46
